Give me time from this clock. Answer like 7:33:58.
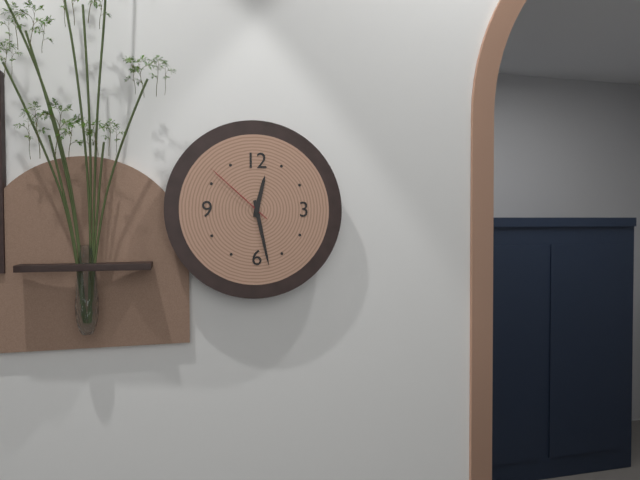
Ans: 12:28:52
